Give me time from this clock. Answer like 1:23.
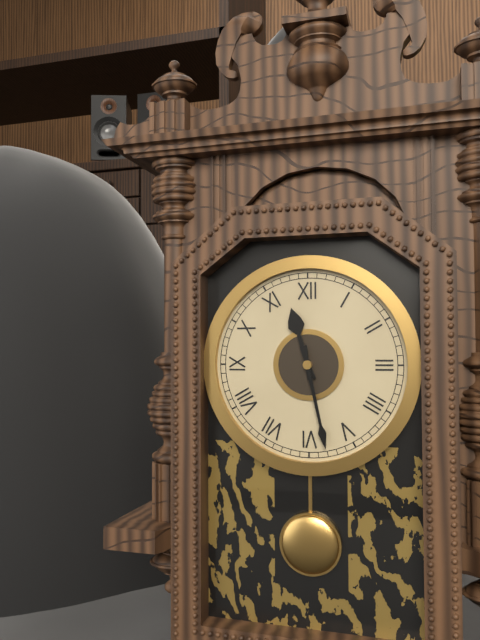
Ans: 11:28
